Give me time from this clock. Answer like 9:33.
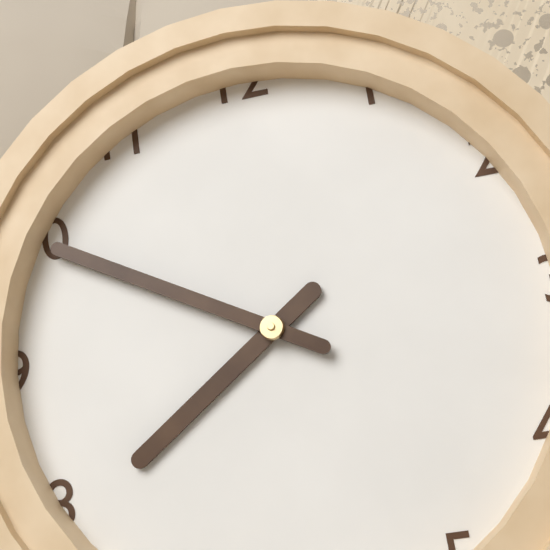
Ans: 7:50
